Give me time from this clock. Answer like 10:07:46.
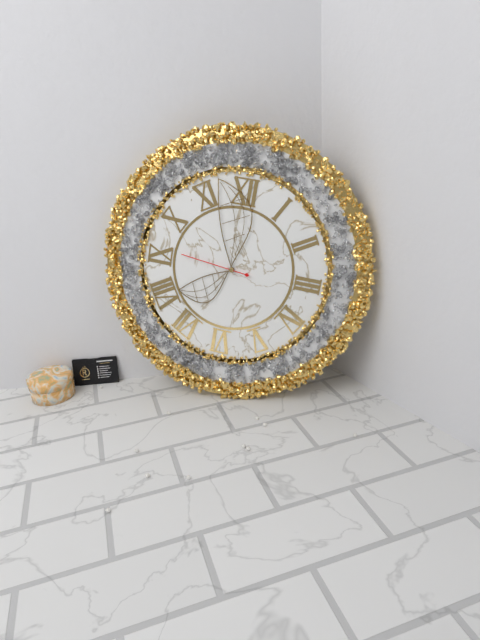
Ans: 7:57:46
